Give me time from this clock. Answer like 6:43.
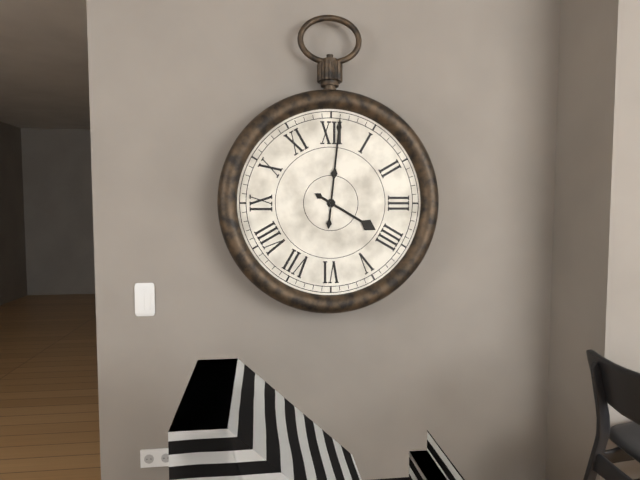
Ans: 4:01
